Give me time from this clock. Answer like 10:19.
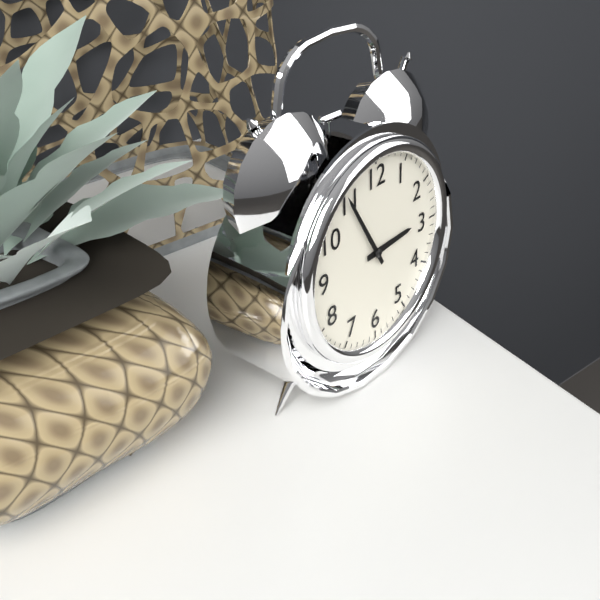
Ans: 2:55
